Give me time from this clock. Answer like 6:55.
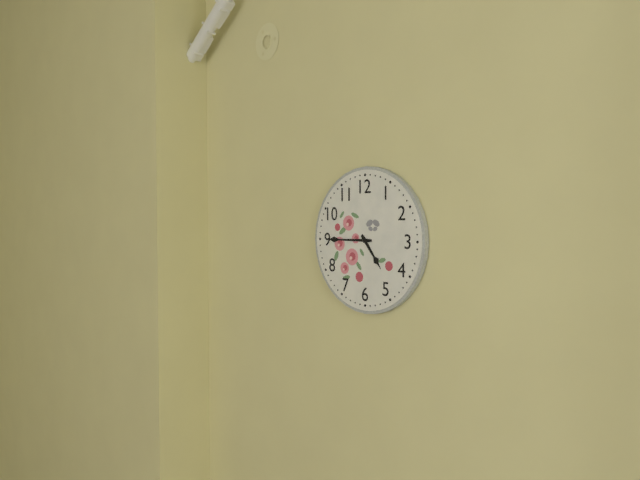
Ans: 4:45
